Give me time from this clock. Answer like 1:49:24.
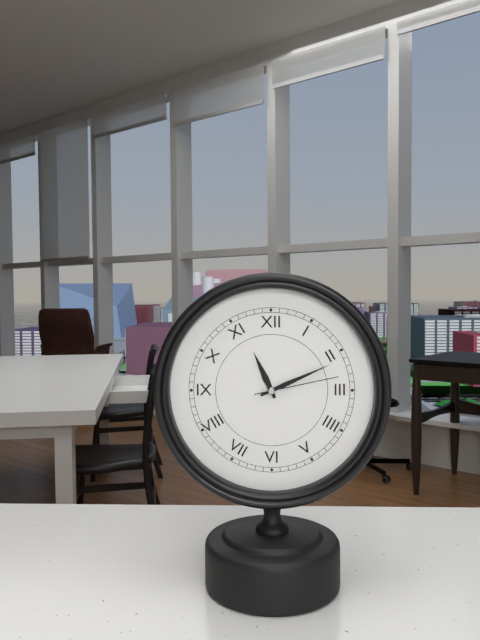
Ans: 11:11:13
